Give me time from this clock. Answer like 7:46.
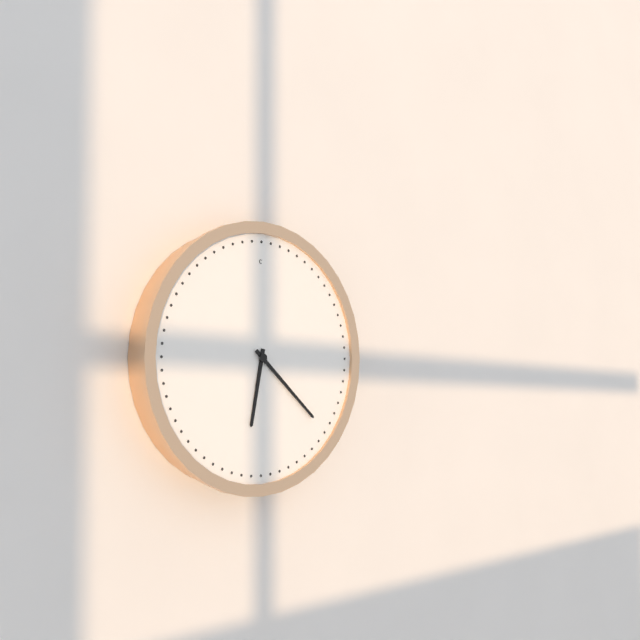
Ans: 6:22
